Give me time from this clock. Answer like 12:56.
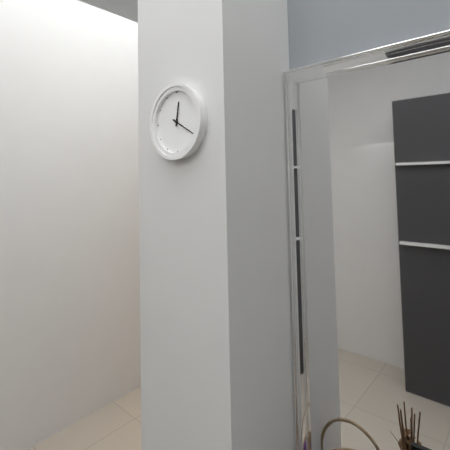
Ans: 12:20
